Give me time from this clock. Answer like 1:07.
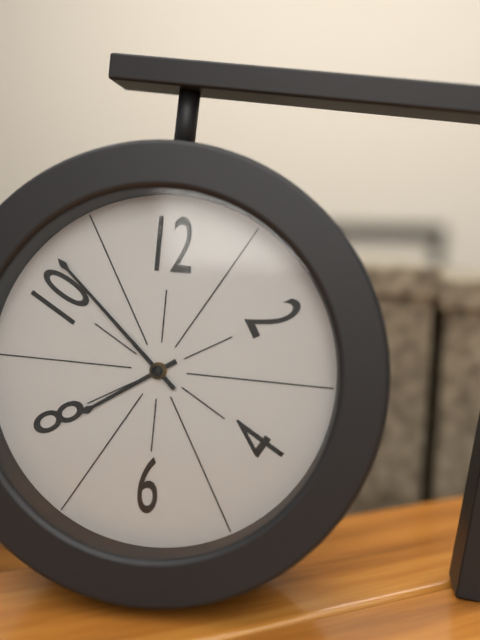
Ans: 7:52
